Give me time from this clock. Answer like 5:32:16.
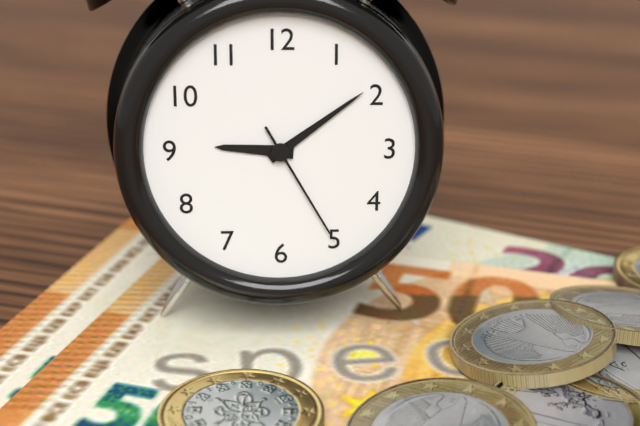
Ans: 9:09:25
